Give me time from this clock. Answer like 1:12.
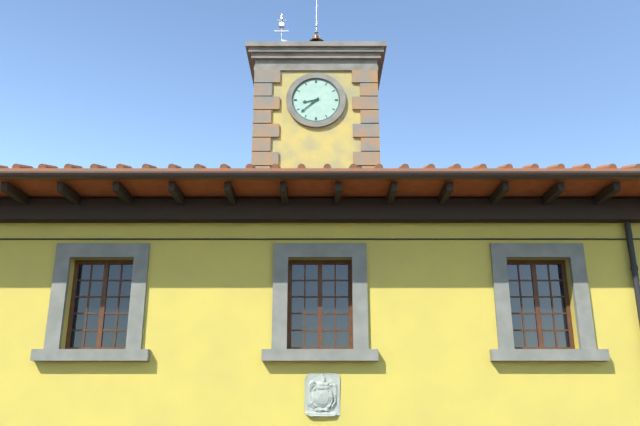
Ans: 8:38
